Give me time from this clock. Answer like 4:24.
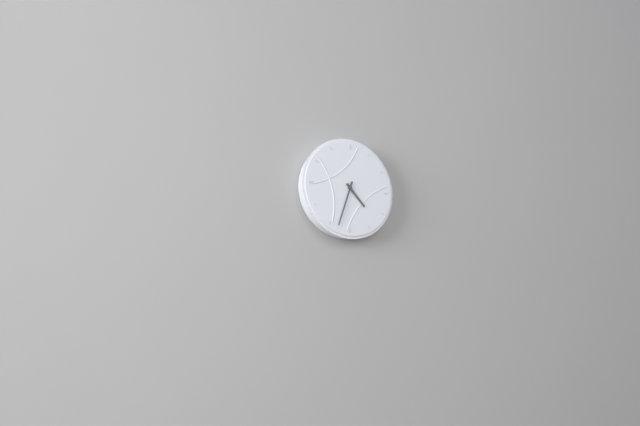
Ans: 4:33
